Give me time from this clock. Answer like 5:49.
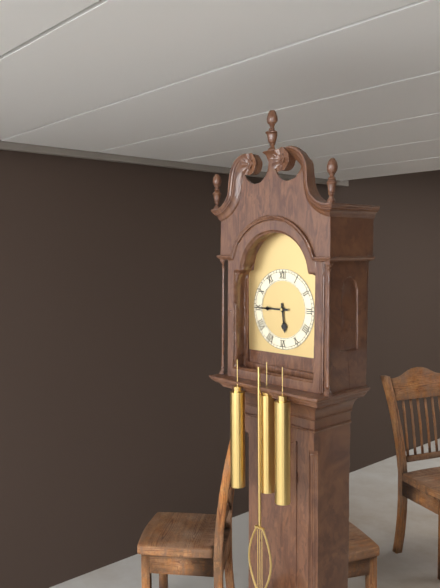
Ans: 5:45
